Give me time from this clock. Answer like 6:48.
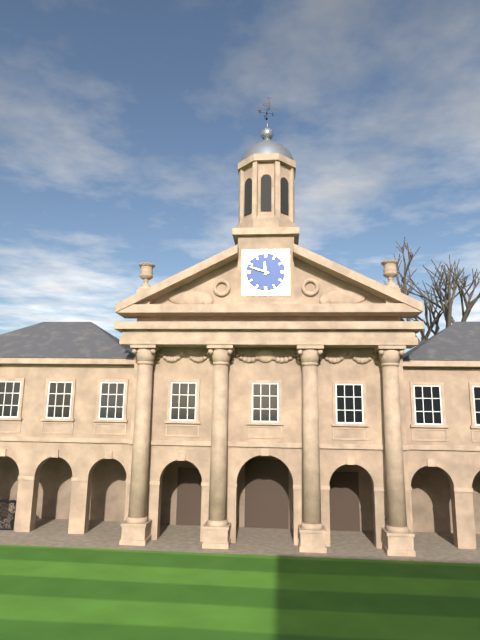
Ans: 11:48
